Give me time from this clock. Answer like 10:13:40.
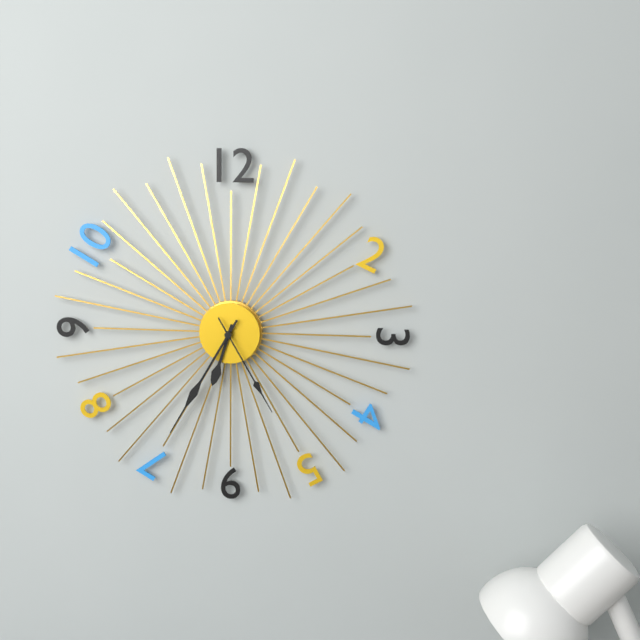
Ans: 6:35:25
